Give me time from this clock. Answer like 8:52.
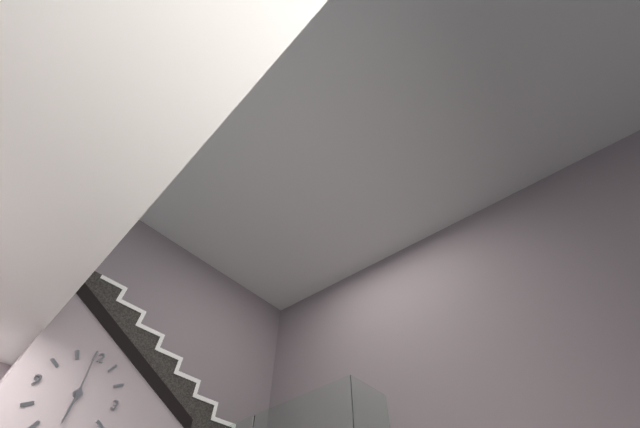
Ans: 5:59
